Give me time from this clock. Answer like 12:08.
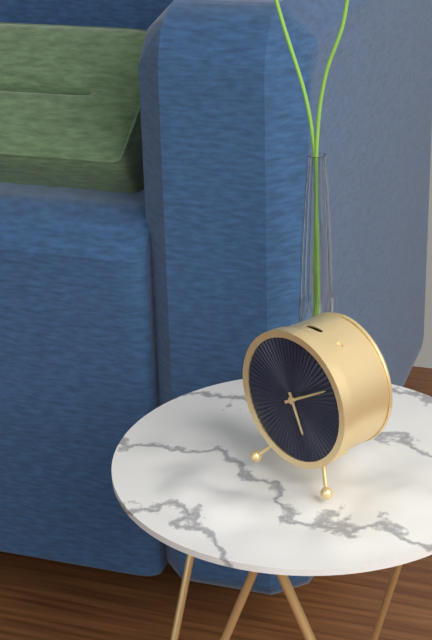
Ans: 5:10
